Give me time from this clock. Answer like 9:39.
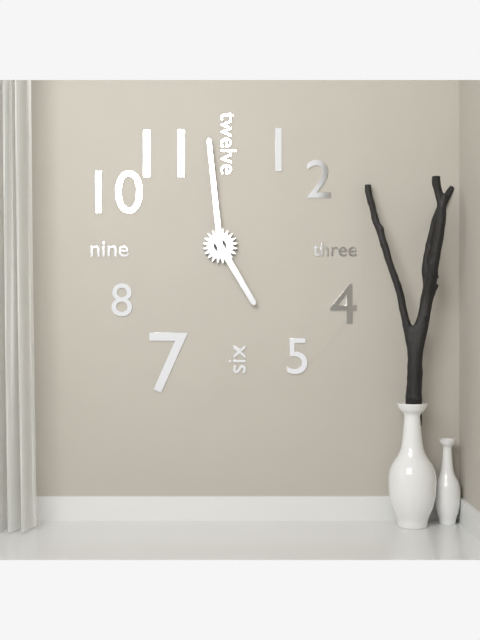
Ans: 4:59
